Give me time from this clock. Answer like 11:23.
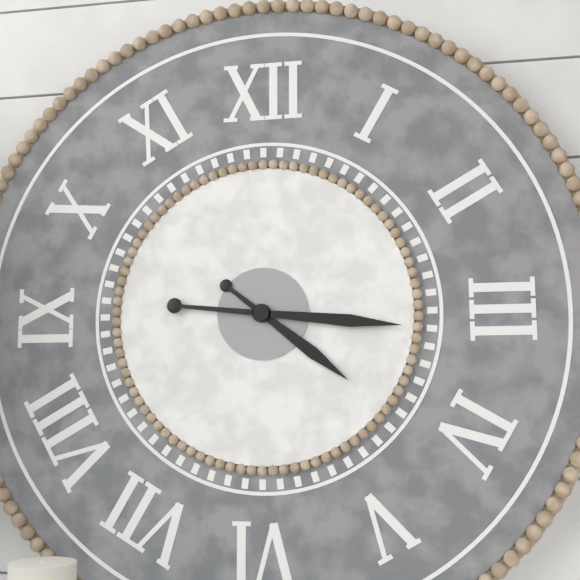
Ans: 4:16
